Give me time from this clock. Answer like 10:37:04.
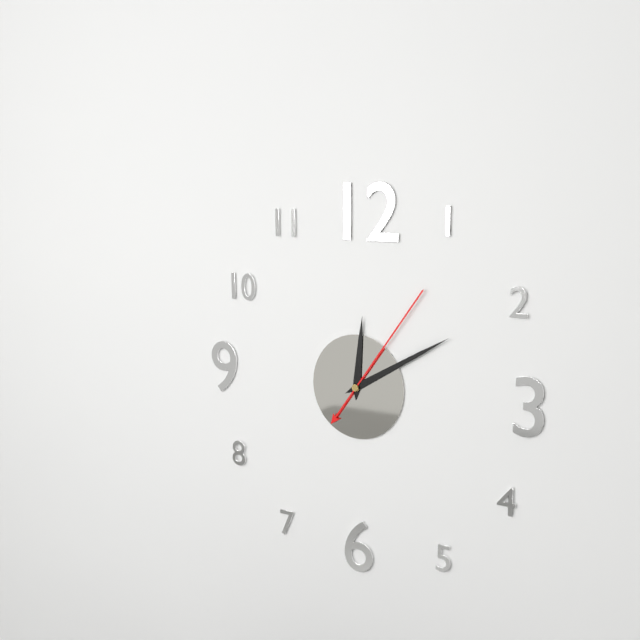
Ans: 12:10:06
